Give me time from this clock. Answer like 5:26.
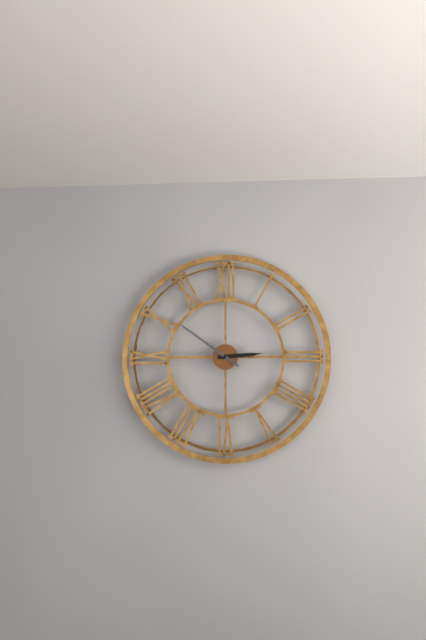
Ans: 2:51
